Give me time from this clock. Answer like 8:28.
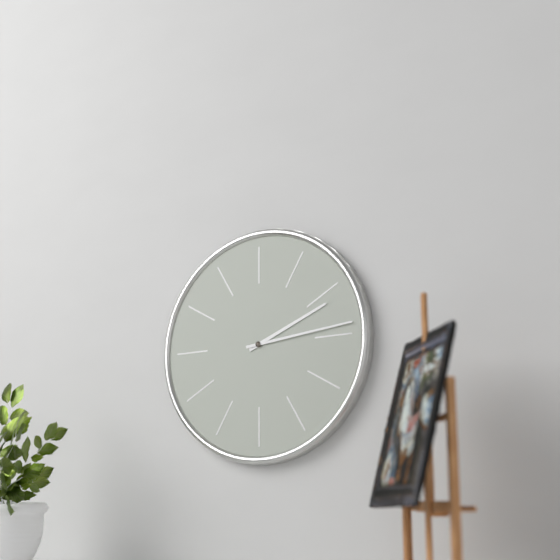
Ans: 2:14
